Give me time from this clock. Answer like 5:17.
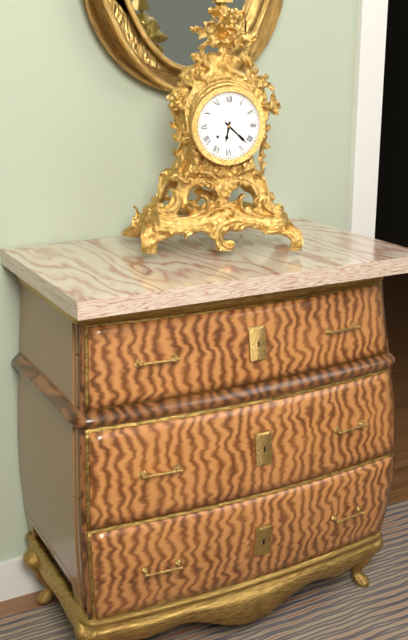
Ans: 6:22
